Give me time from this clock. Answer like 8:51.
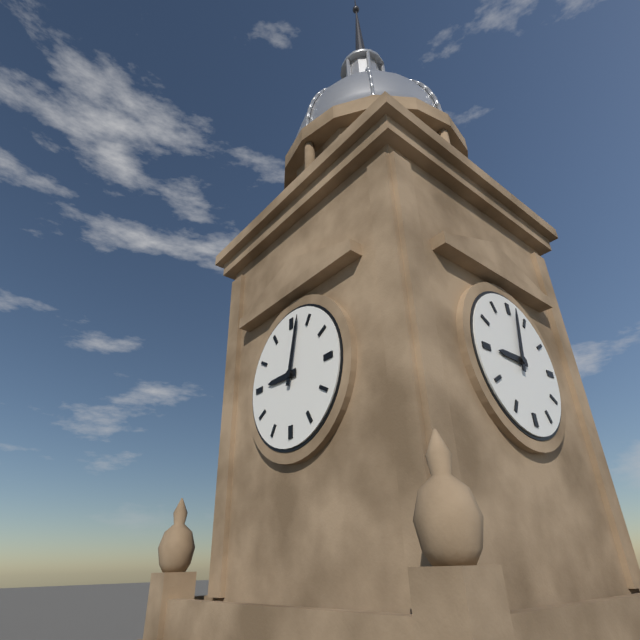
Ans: 9:02
